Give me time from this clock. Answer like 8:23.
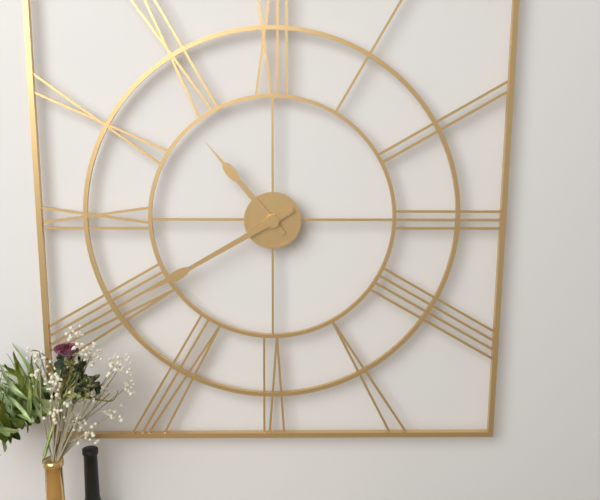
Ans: 10:40
